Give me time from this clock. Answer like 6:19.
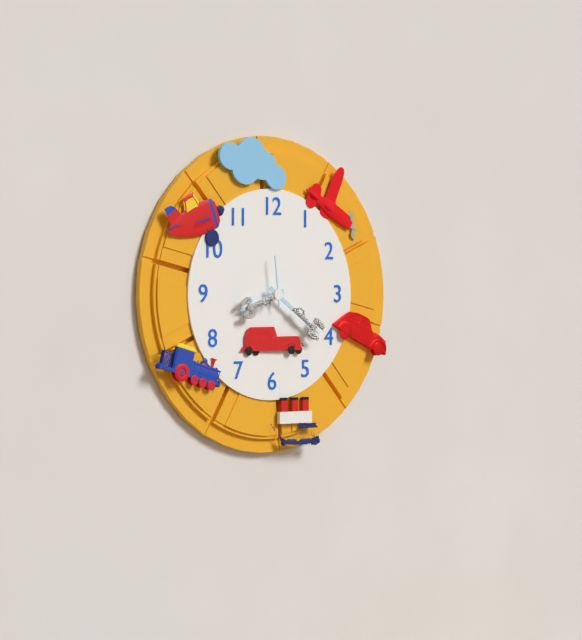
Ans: 8:21
